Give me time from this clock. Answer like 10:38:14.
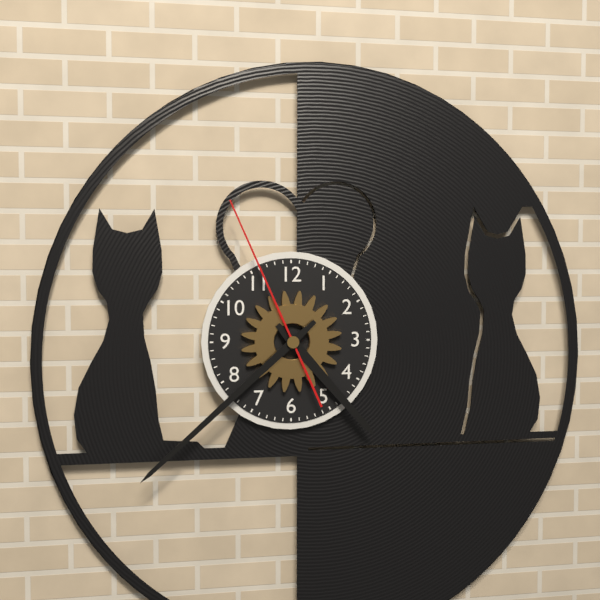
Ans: 4:38:56
